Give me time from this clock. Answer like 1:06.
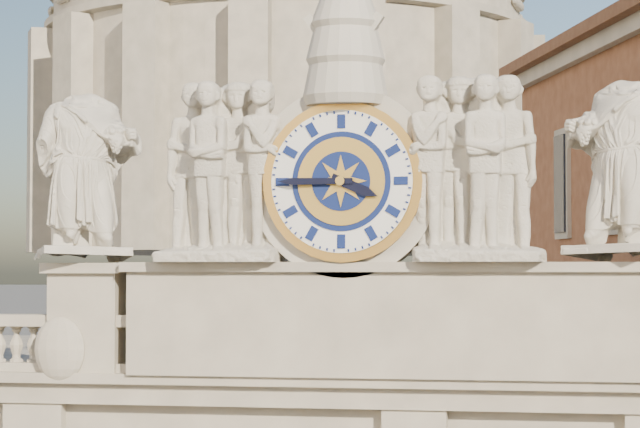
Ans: 3:45
